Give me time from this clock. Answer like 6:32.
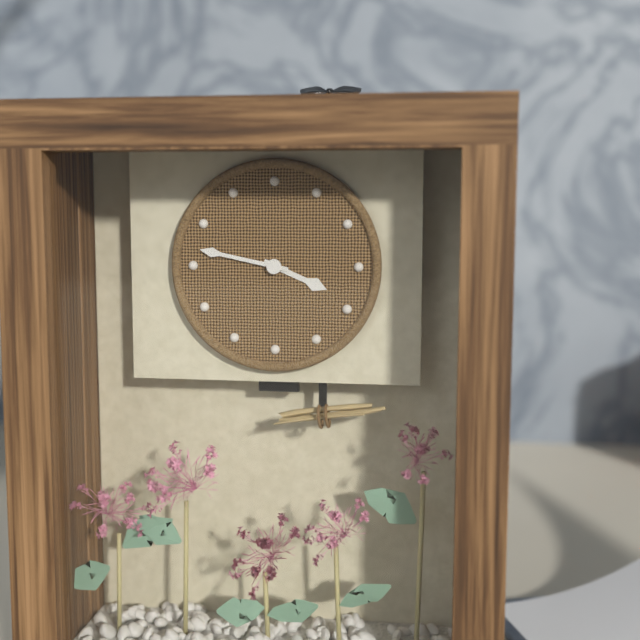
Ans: 3:47
